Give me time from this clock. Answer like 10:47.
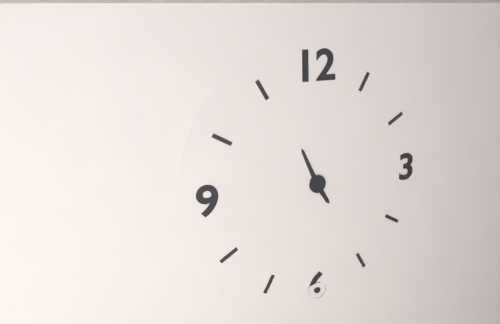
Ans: 4:56
